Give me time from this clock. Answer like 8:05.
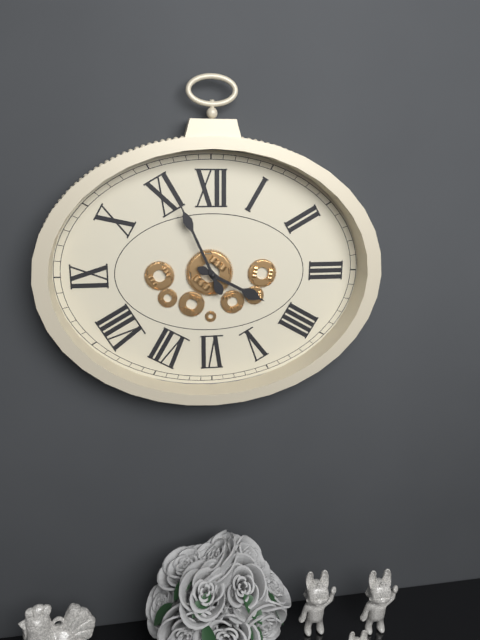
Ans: 3:56
